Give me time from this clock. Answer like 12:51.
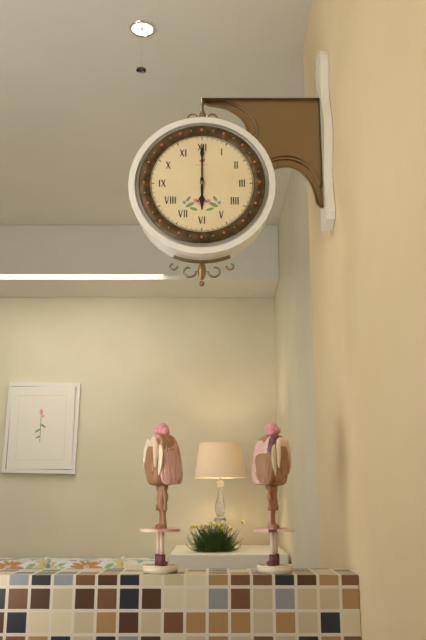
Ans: 6:00
